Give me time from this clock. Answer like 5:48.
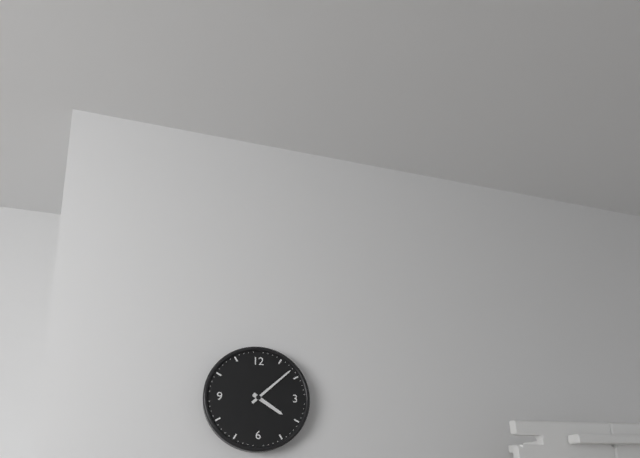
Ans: 4:08
